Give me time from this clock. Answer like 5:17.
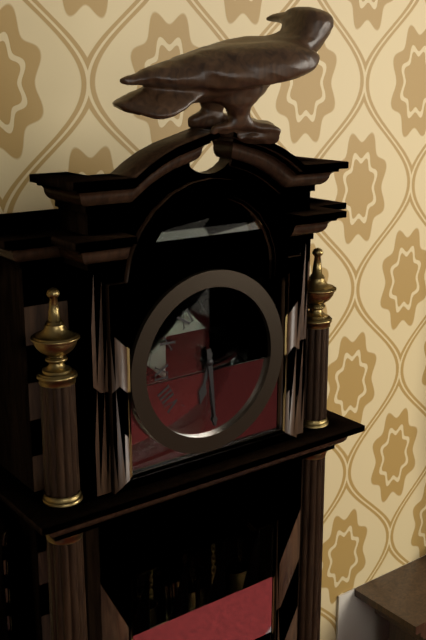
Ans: 6:29
